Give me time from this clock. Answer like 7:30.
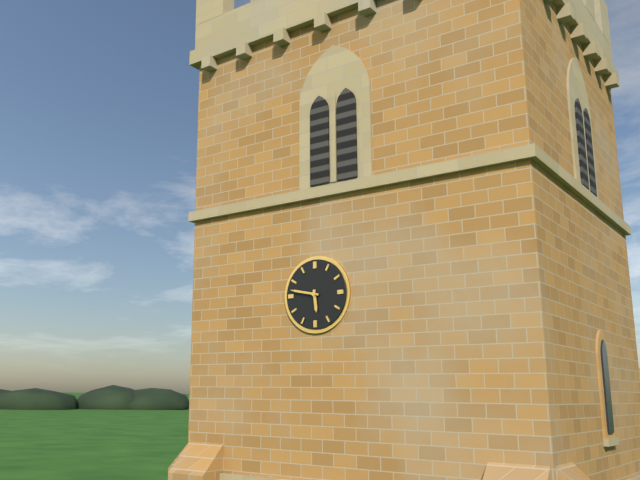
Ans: 5:47
